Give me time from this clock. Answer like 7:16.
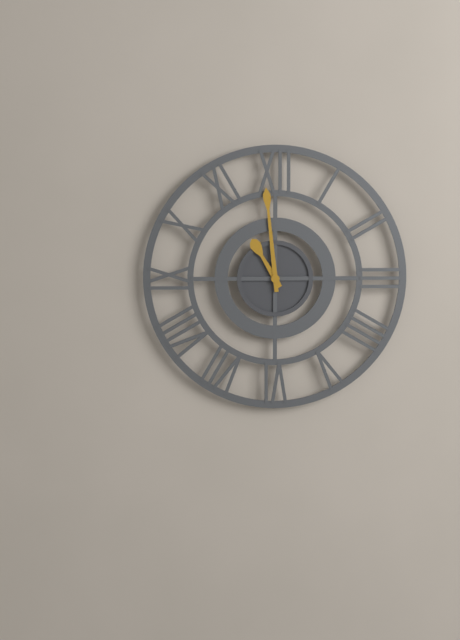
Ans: 10:59
